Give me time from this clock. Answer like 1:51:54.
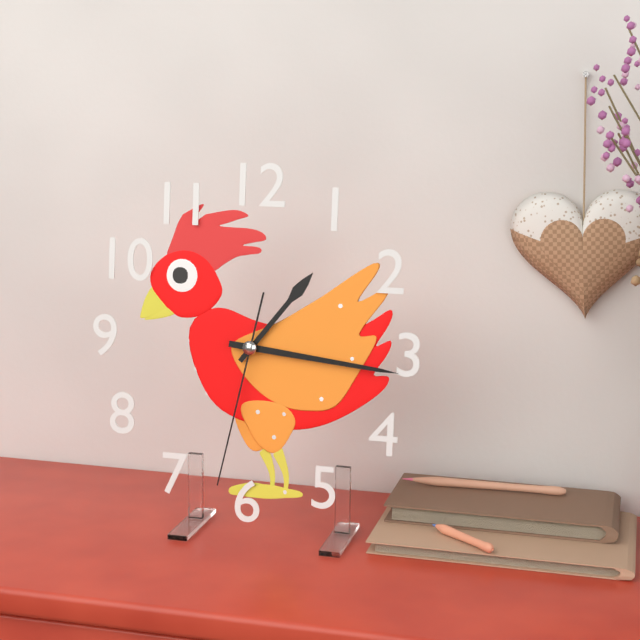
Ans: 1:16:32
